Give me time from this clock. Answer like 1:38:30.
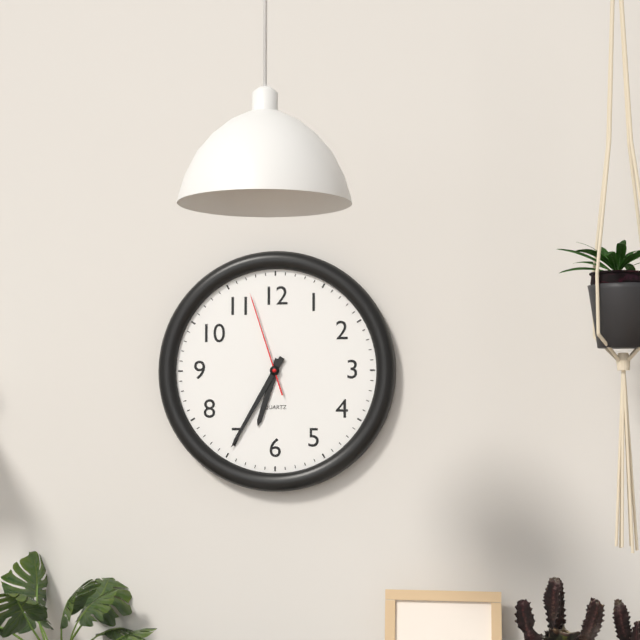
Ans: 6:35:57
